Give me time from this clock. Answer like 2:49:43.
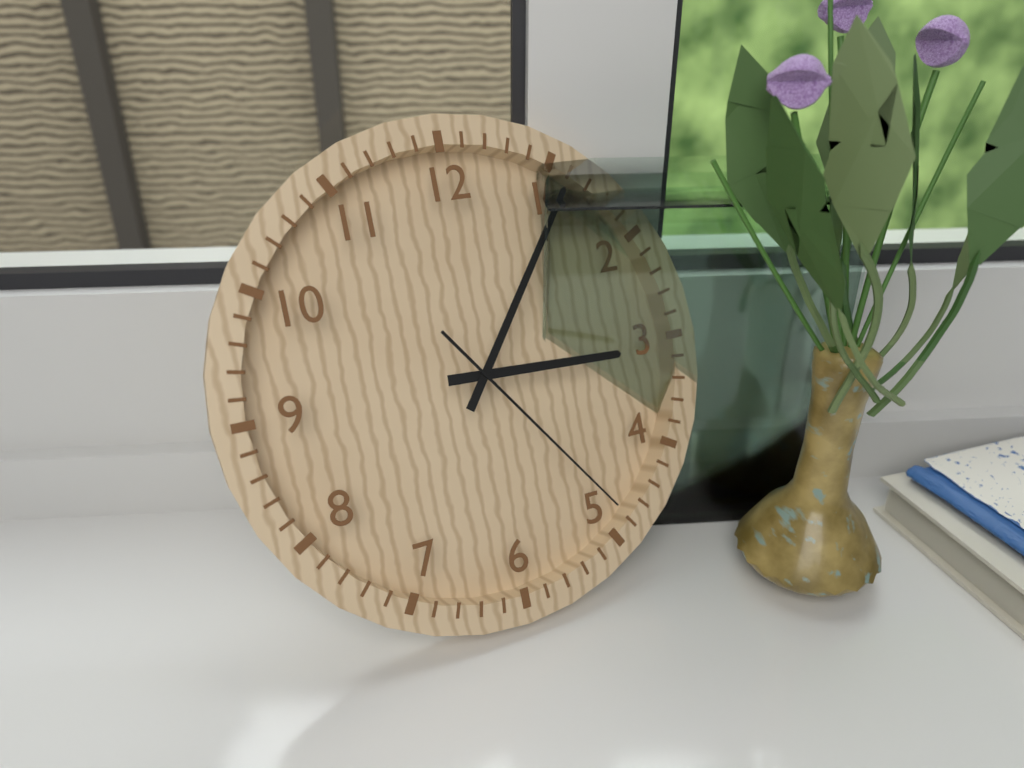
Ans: 3:06:24
